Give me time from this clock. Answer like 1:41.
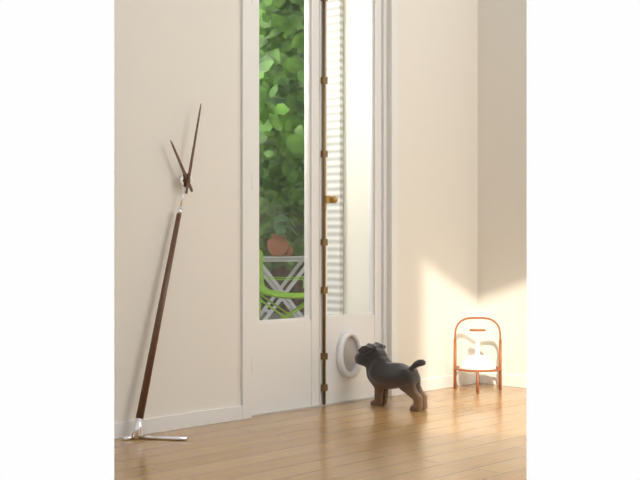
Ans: 11:02
